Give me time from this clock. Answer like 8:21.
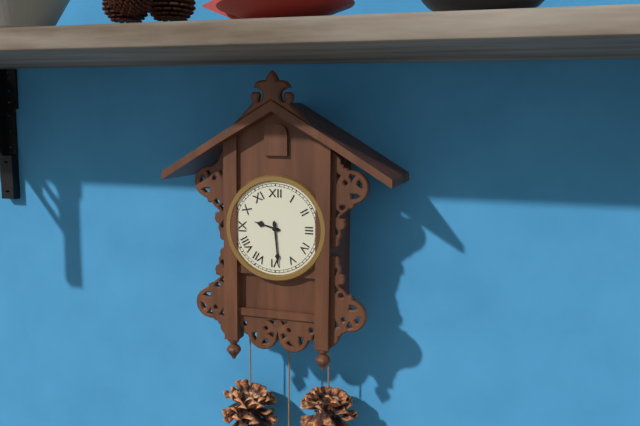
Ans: 9:29
